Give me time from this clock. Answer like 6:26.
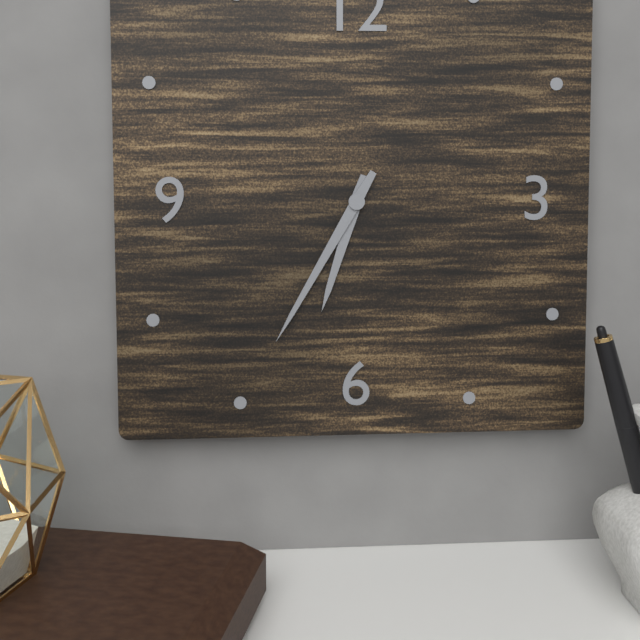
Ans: 6:35
